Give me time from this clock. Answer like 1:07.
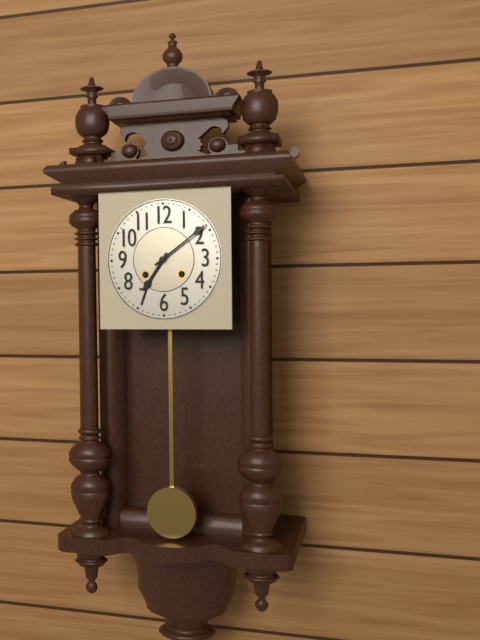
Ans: 7:09
